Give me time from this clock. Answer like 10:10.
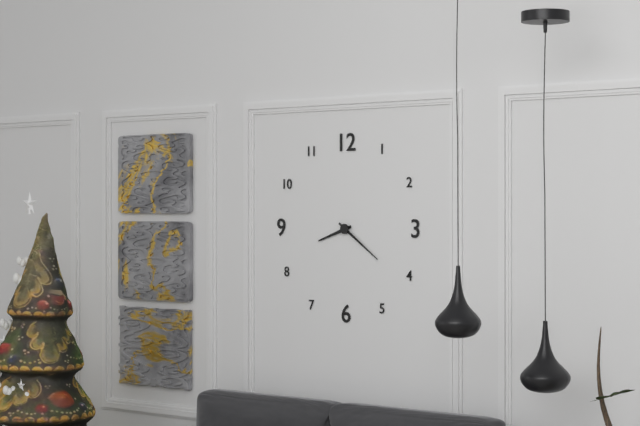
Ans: 8:21
